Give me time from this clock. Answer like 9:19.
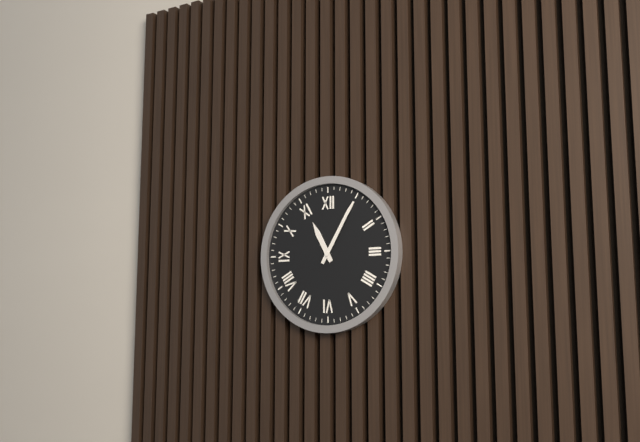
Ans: 11:05
